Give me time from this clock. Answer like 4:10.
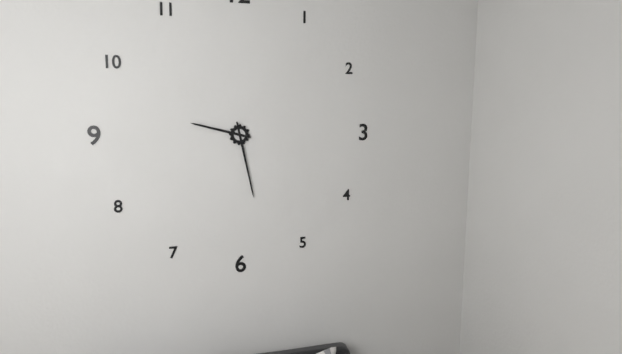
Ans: 9:28
